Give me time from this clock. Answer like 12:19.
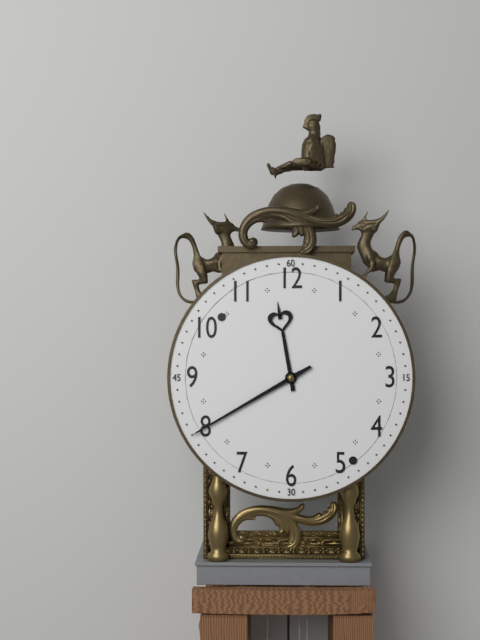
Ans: 11:40
